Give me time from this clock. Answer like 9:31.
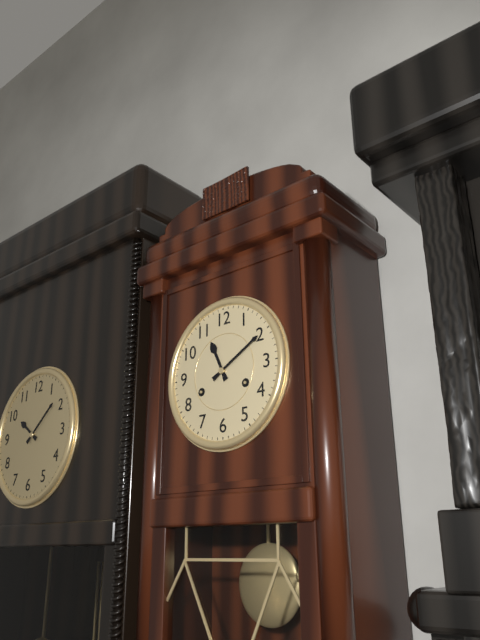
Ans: 11:10
